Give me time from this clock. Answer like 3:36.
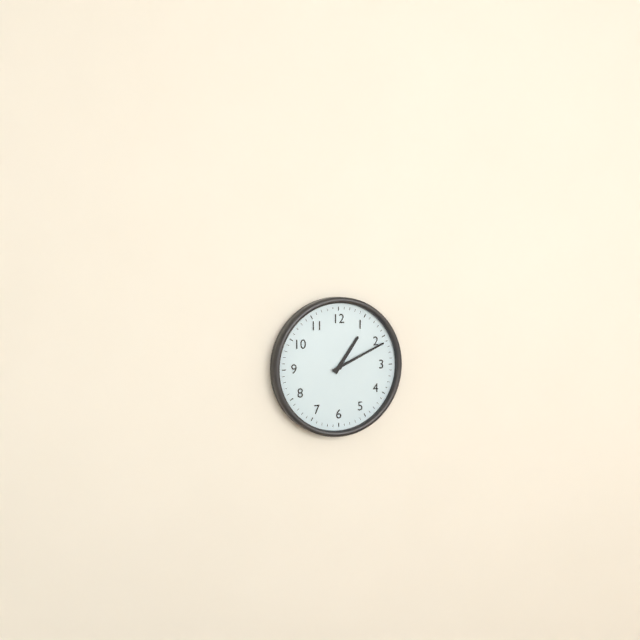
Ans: 1:11
